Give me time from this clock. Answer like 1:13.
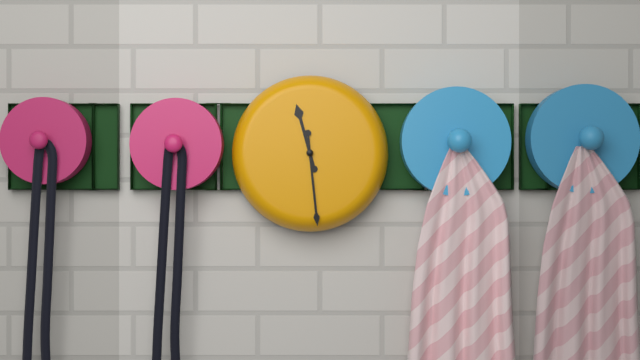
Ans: 11:29
